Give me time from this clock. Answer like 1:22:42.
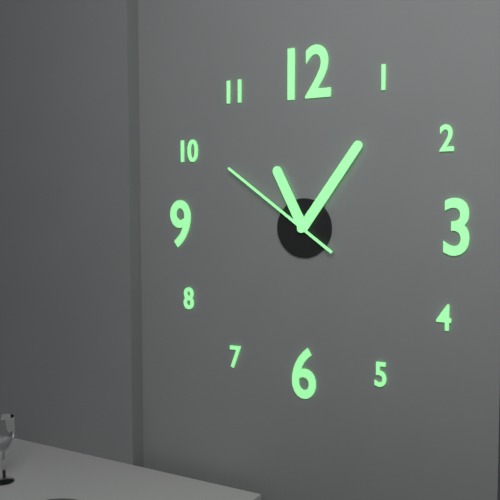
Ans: 11:06:51
